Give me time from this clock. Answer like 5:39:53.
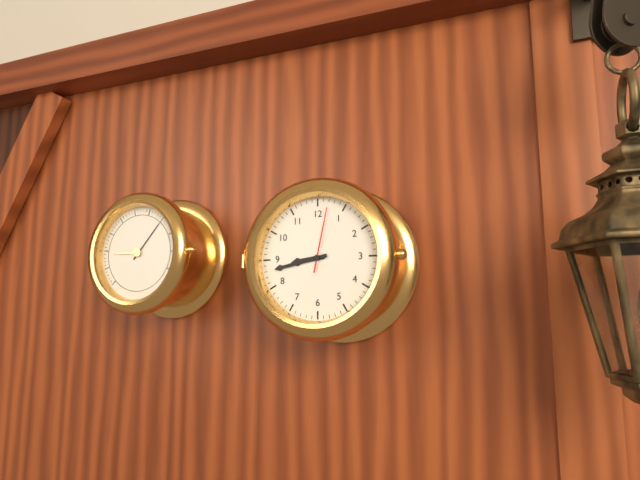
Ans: 8:43:02
